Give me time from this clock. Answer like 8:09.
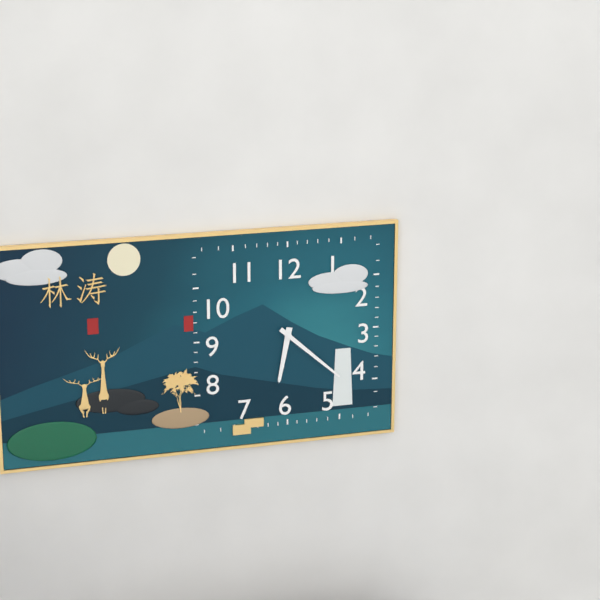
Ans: 6:22
